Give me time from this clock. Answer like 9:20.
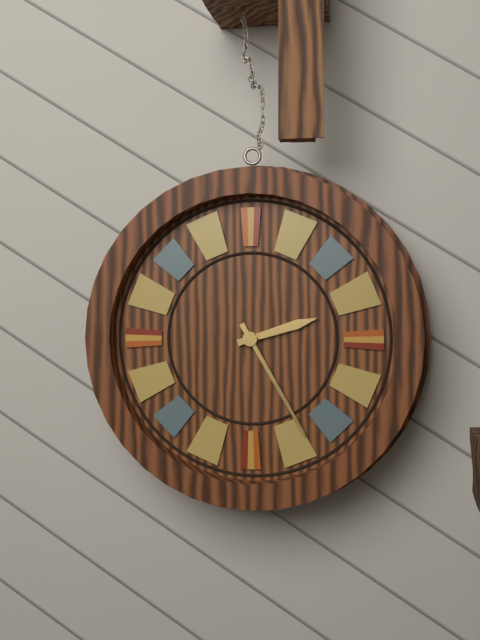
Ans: 2:25
